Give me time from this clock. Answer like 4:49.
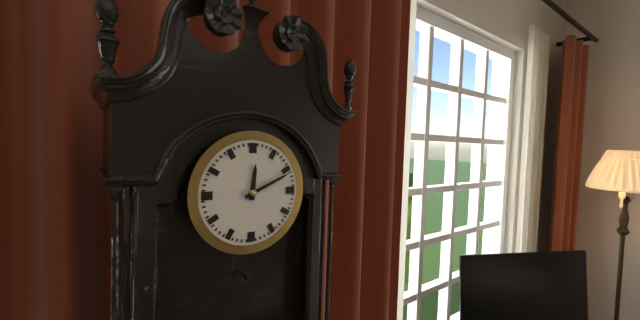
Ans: 12:11
